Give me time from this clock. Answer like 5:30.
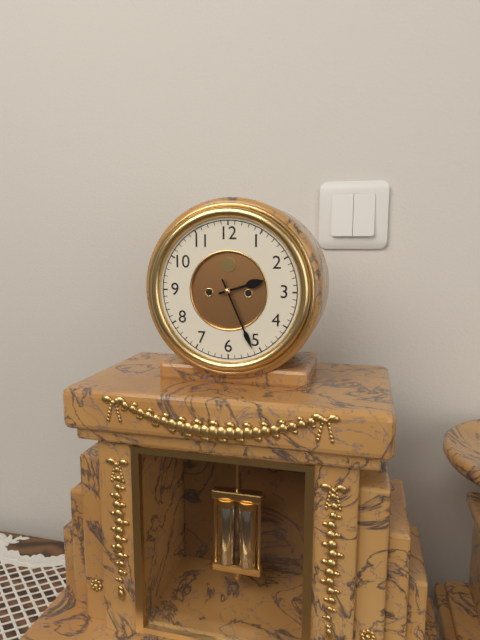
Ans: 2:26
